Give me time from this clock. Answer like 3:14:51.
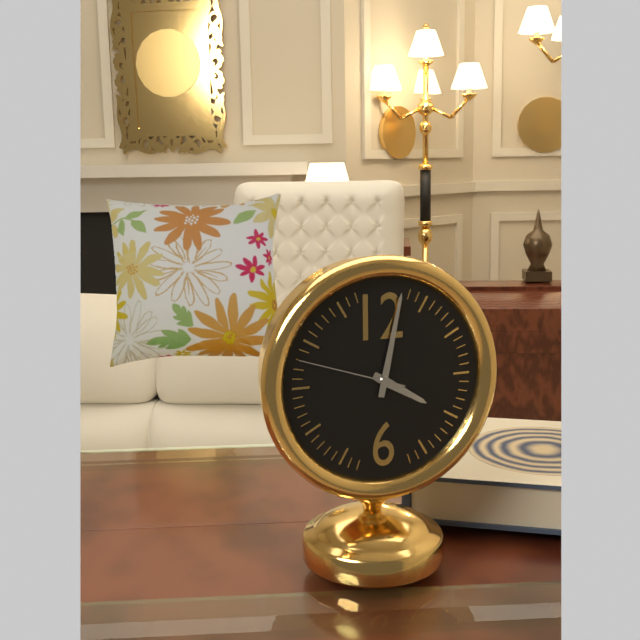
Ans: 4:02:48
